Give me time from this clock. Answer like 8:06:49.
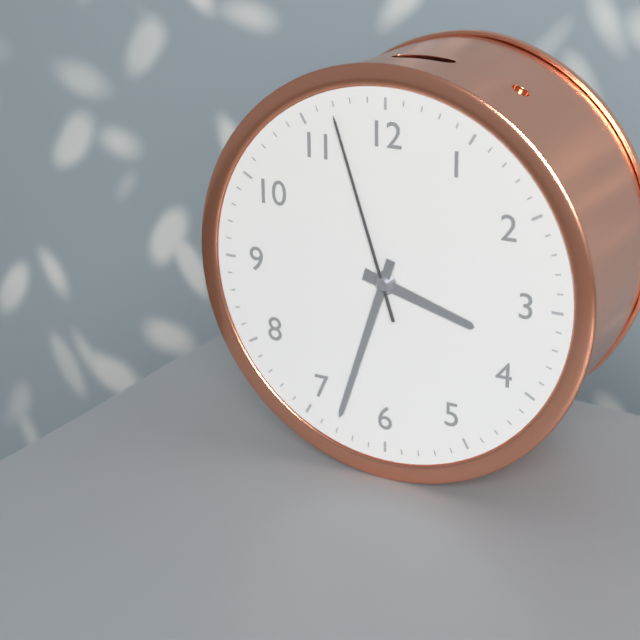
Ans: 3:33:57
